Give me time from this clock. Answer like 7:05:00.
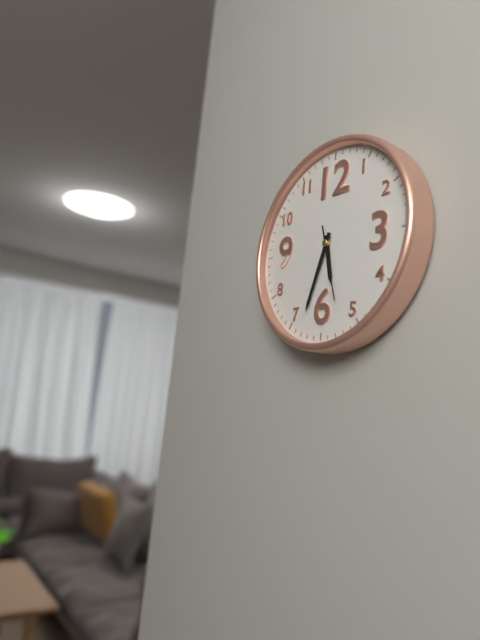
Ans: 5:33:27
